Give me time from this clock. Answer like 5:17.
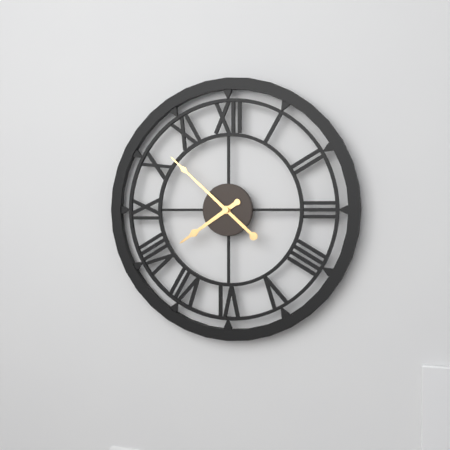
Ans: 7:52
